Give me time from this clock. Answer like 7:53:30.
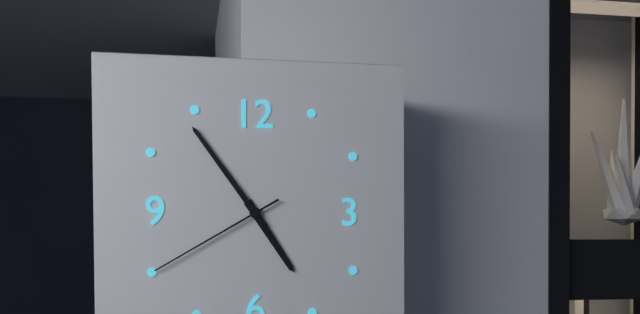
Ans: 4:54:40
